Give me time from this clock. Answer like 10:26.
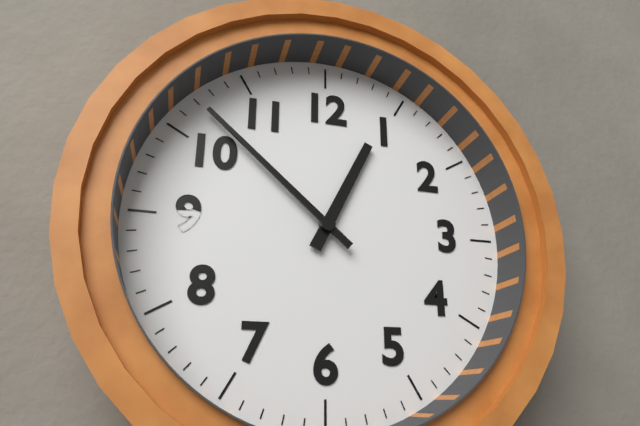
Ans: 12:52
